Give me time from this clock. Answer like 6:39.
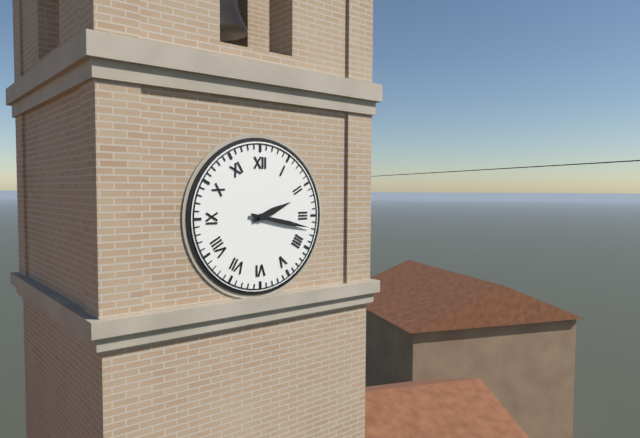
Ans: 2:17
